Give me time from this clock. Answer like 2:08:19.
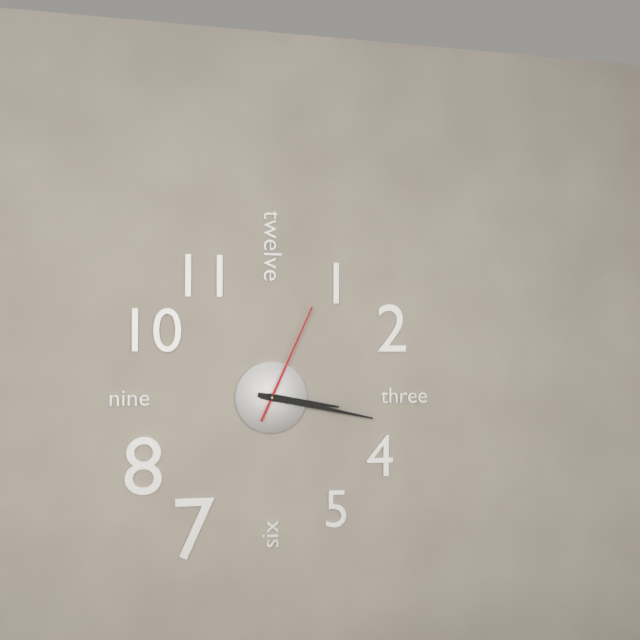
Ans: 3:17:04
